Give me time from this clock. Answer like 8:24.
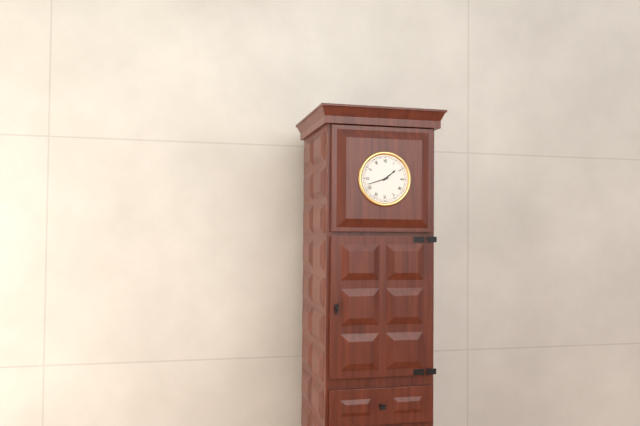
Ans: 1:42
